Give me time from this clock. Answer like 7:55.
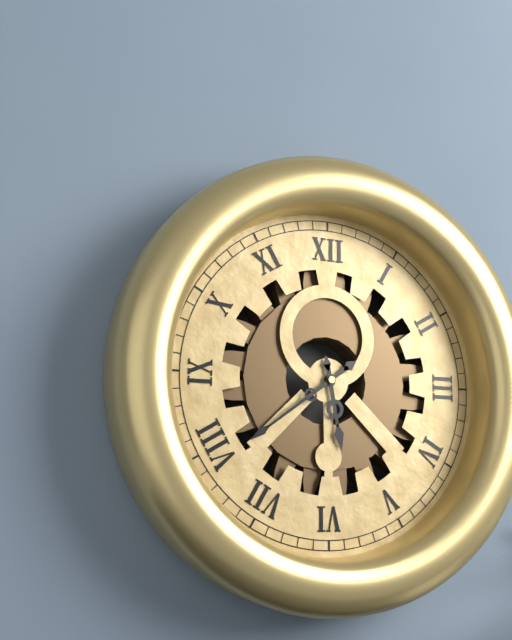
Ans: 5:39
